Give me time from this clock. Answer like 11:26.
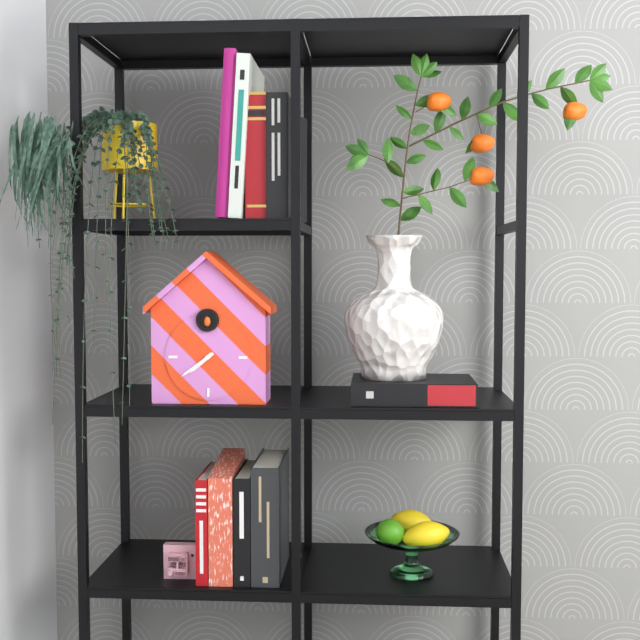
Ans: 7:39
